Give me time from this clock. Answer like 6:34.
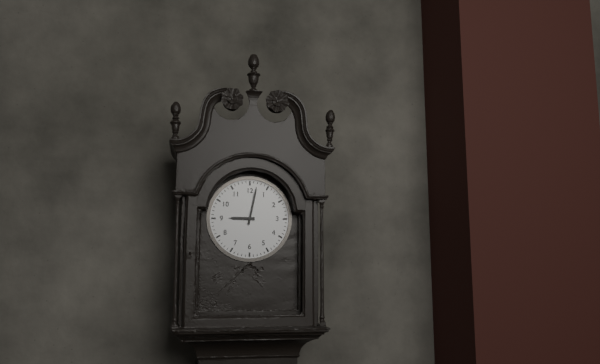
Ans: 9:02
